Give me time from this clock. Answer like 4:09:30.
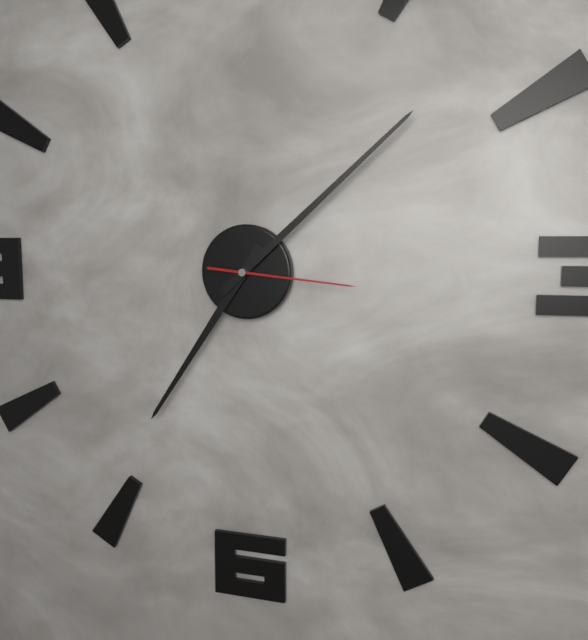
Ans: 7:08:16
